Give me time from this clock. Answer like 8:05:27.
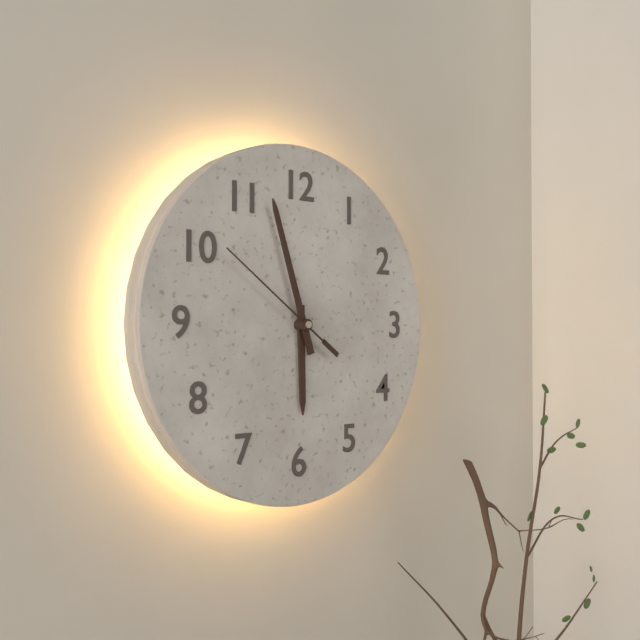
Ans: 5:57:51
